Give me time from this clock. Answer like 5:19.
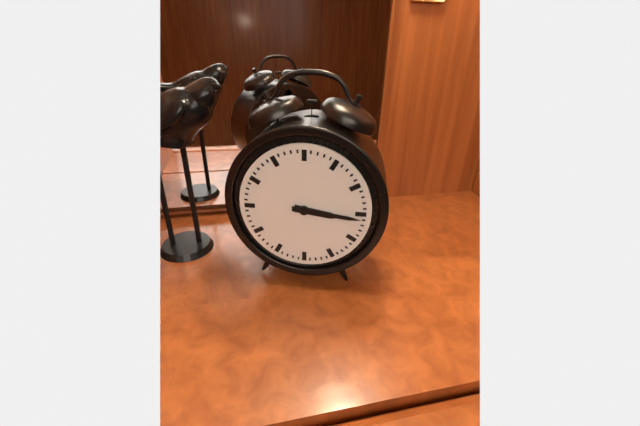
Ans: 3:16
